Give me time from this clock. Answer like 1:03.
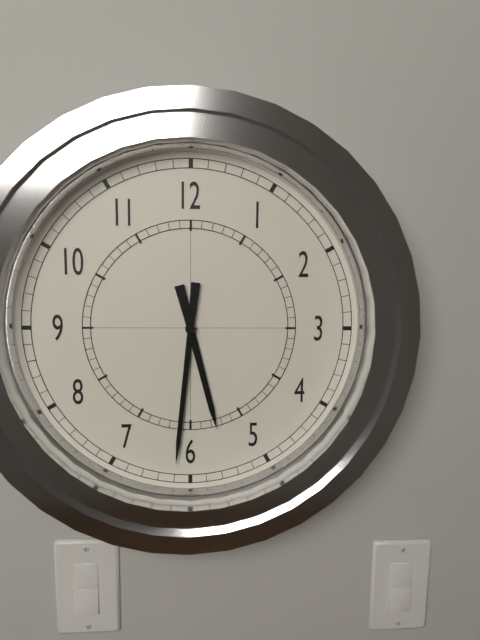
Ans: 5:31
